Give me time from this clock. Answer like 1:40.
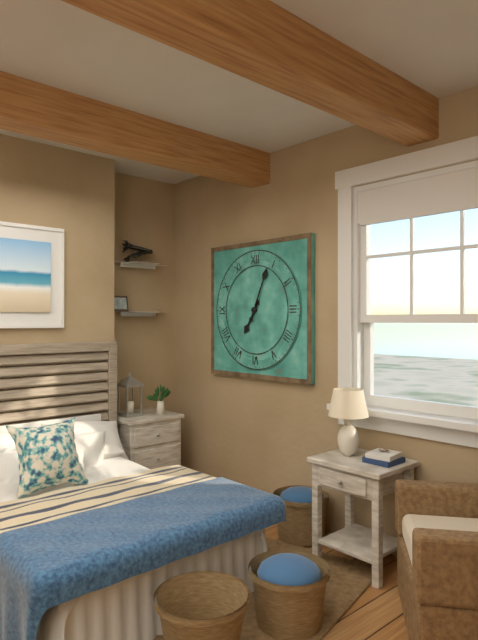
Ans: 7:04
